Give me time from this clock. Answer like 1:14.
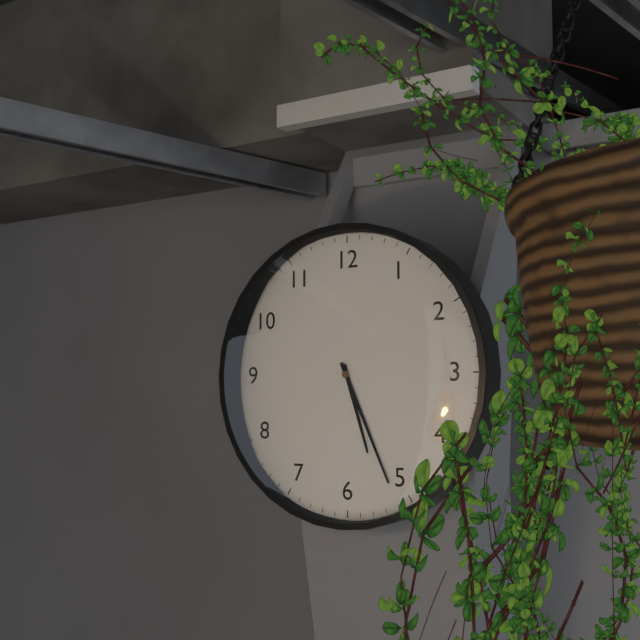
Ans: 5:26
